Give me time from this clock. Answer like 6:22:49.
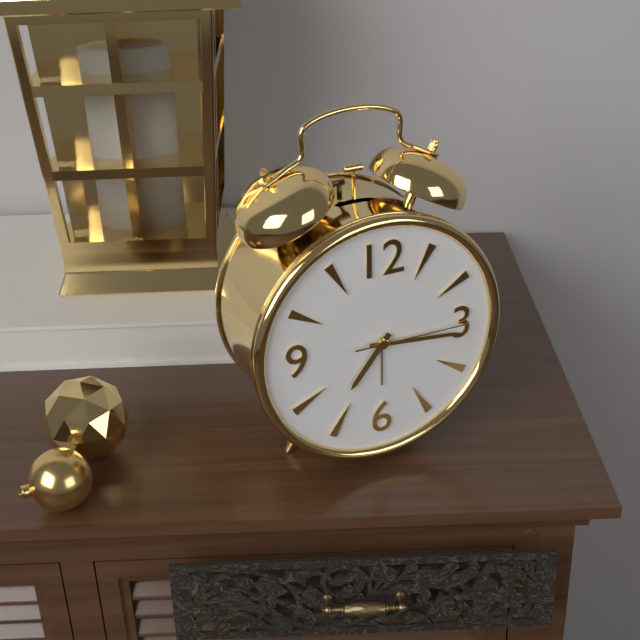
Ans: 7:16:15
